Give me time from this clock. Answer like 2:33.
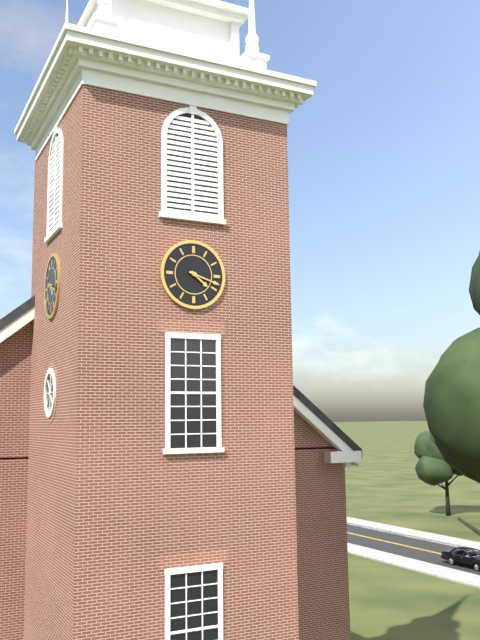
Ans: 4:18
